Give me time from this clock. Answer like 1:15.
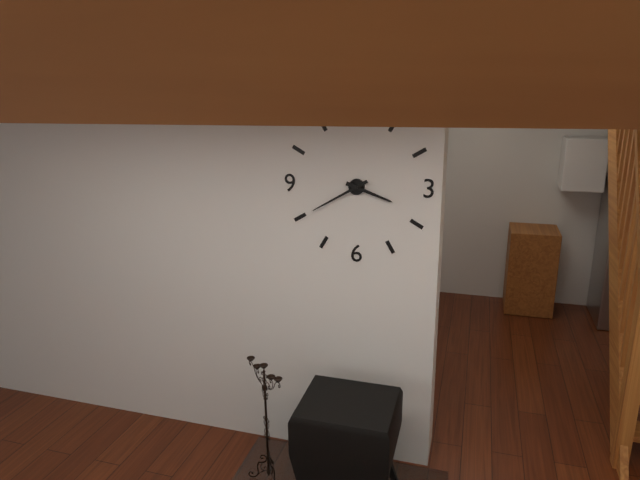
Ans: 3:40
